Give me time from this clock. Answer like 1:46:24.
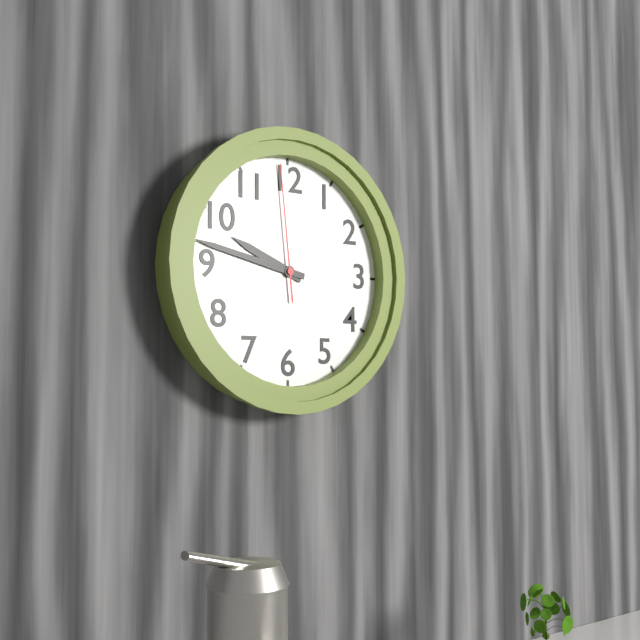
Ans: 9:47:59
